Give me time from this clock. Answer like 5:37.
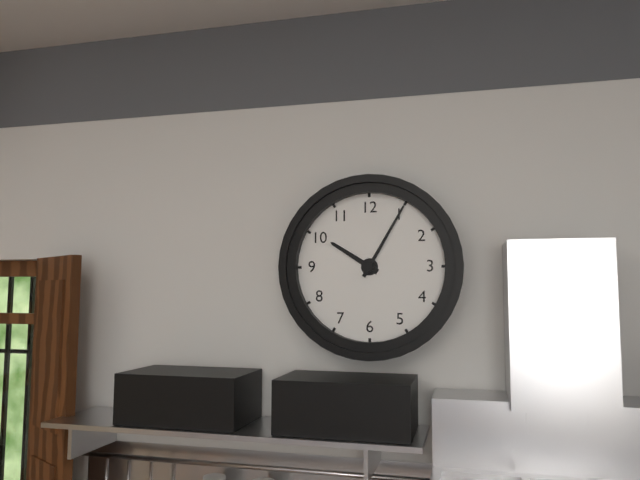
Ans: 10:05
